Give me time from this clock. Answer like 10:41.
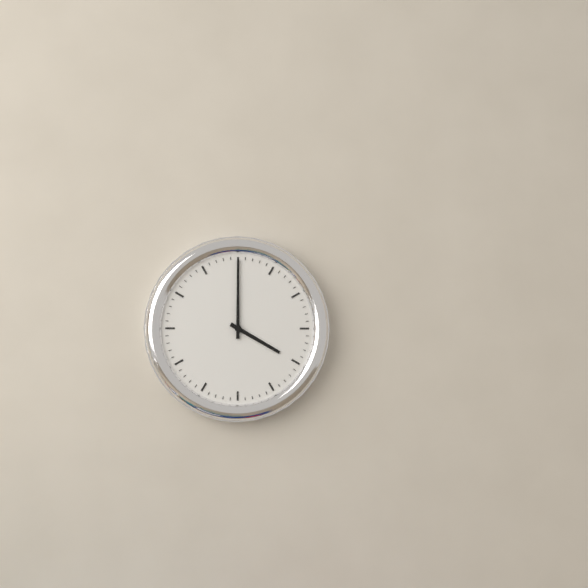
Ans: 4:00
